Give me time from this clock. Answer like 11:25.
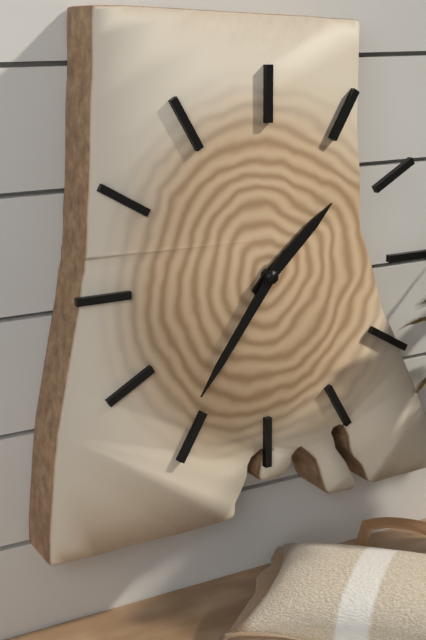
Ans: 1:36
